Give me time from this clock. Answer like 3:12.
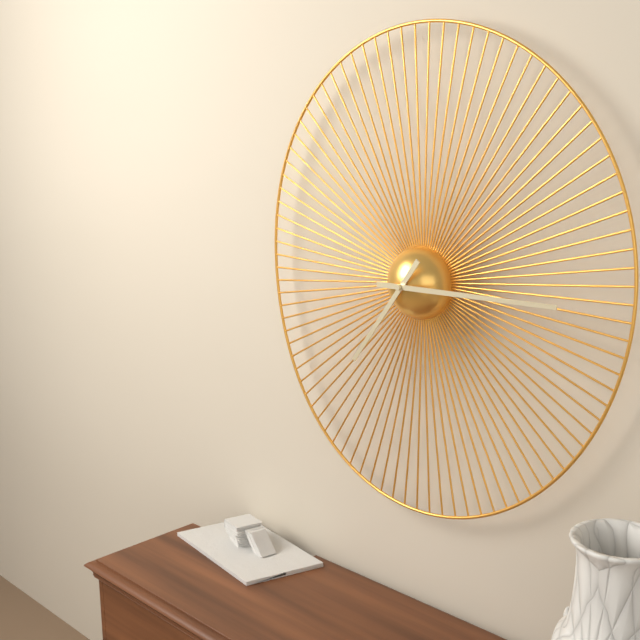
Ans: 7:15
